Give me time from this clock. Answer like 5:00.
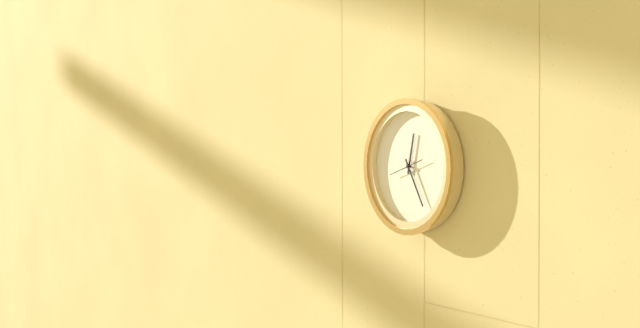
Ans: 12:25
